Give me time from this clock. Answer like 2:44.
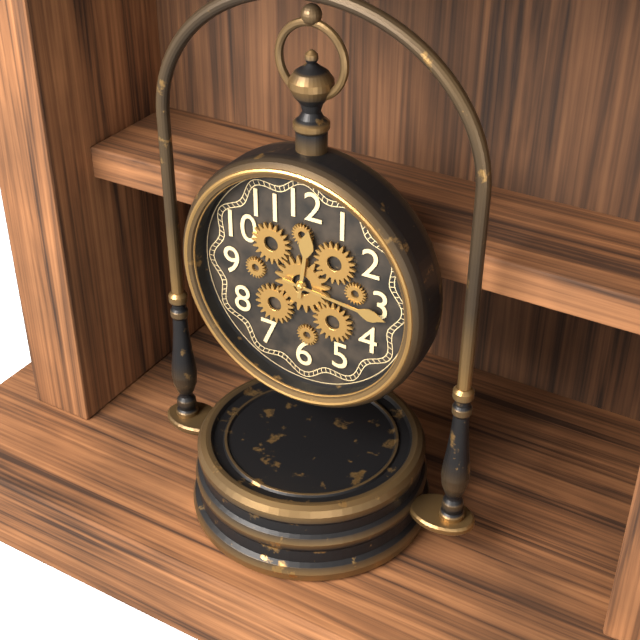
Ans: 12:16
